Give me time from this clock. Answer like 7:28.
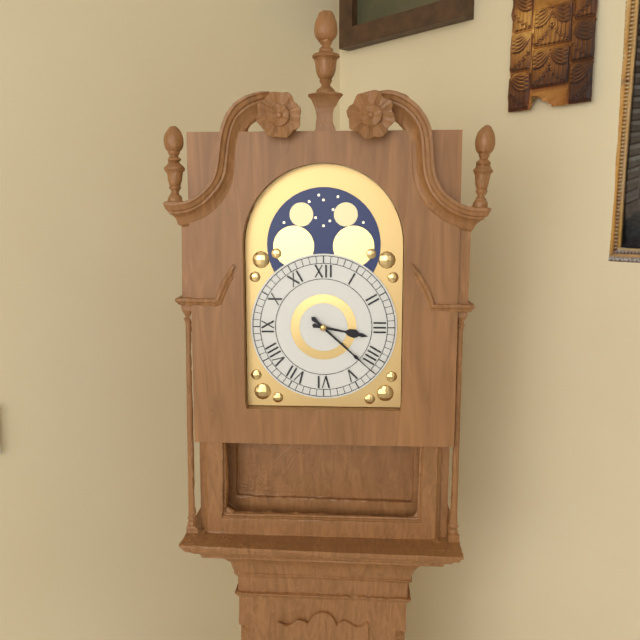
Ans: 3:22
